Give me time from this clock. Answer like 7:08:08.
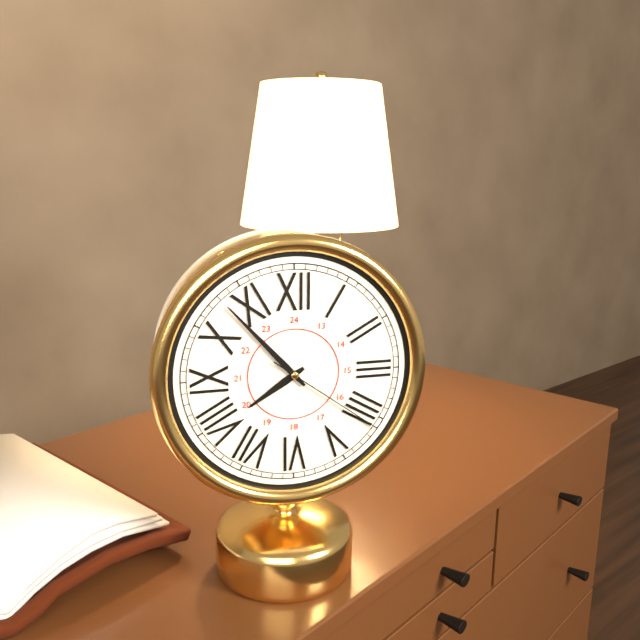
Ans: 7:53:21
